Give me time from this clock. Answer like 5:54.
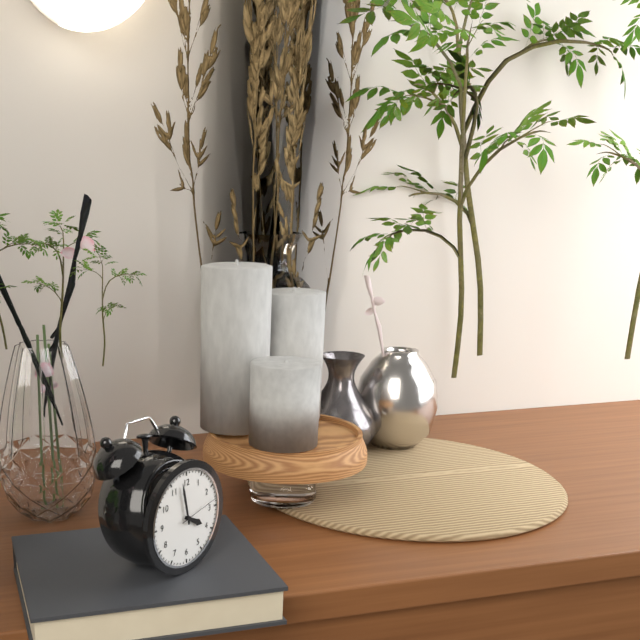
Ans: 3:58
